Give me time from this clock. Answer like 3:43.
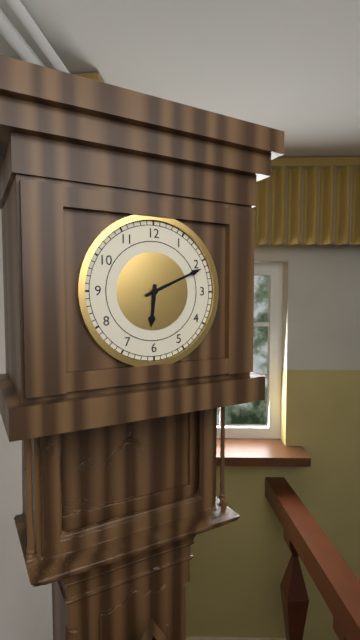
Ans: 6:11
